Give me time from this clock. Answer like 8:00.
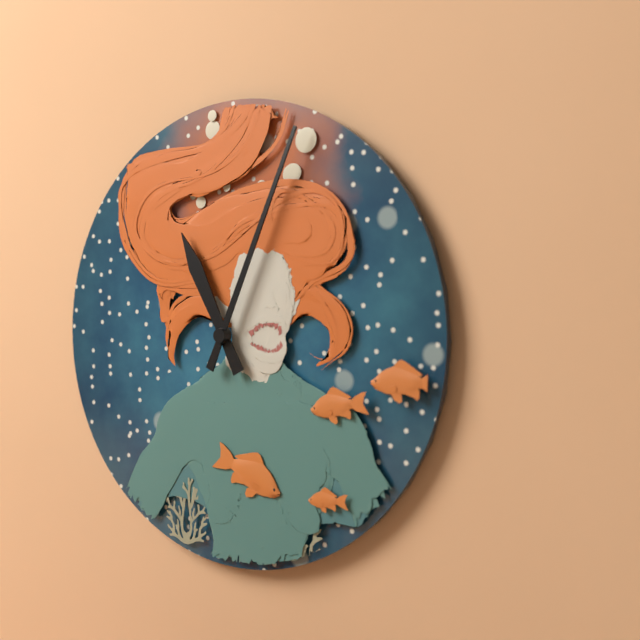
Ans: 11:04
